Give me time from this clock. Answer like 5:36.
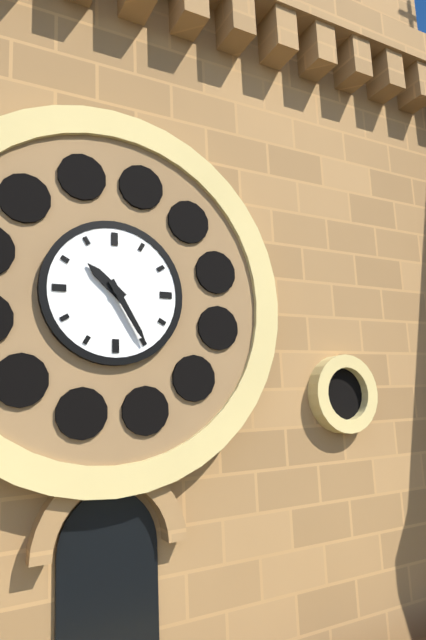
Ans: 10:25
